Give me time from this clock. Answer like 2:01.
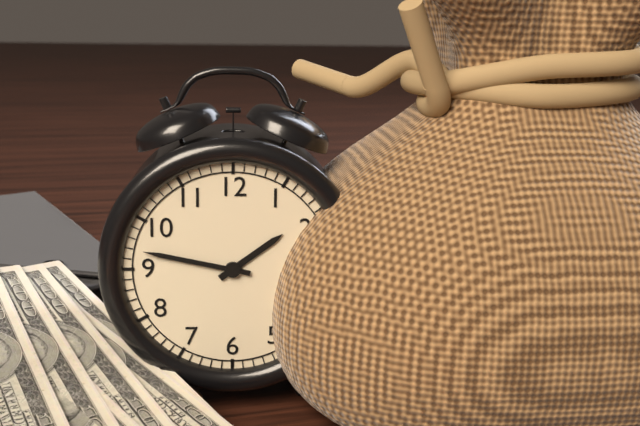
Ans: 1:47
